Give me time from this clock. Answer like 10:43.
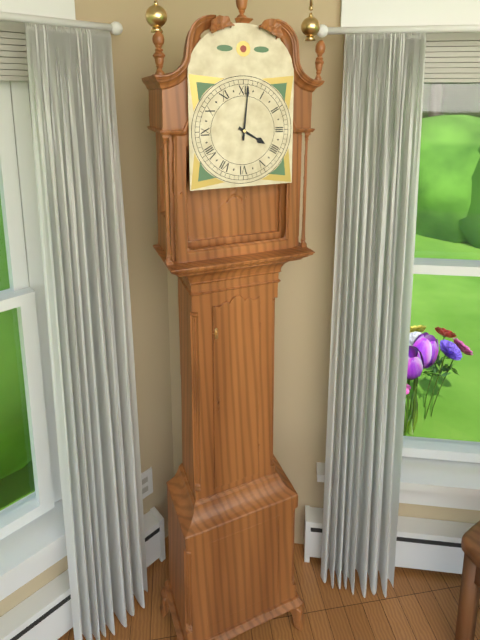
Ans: 4:01
